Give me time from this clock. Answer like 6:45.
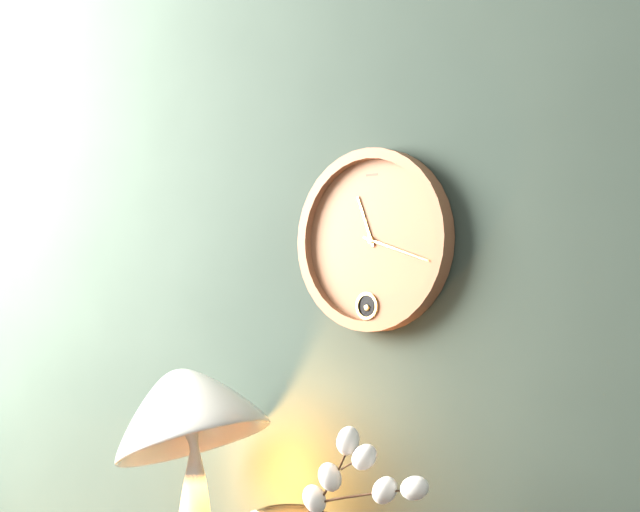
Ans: 11:18
